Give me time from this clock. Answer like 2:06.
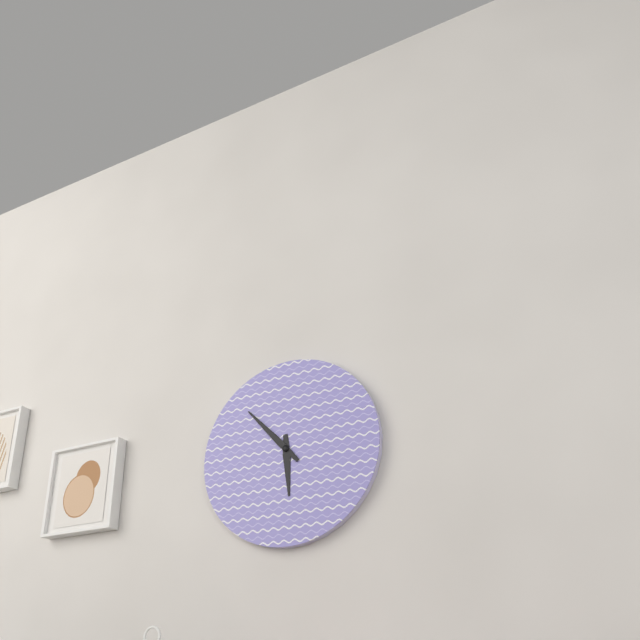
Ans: 5:53
